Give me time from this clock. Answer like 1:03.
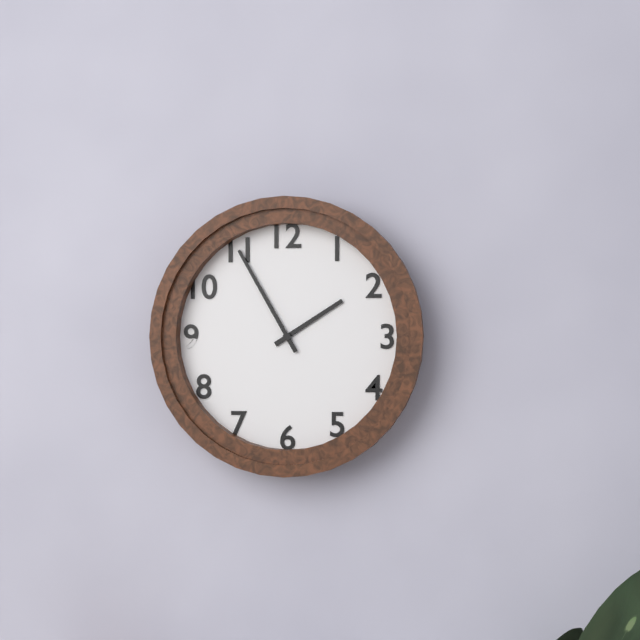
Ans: 1:55
